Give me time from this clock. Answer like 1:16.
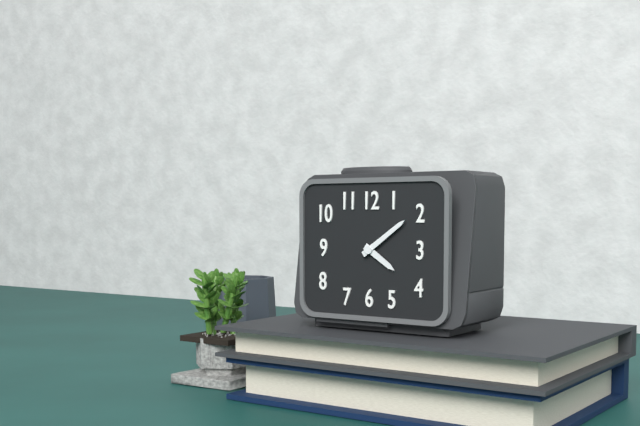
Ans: 4:09
